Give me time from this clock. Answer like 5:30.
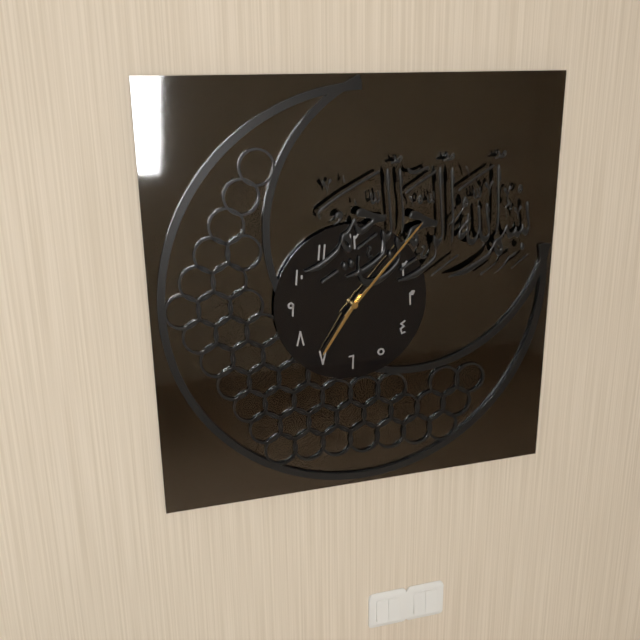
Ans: 7:07
